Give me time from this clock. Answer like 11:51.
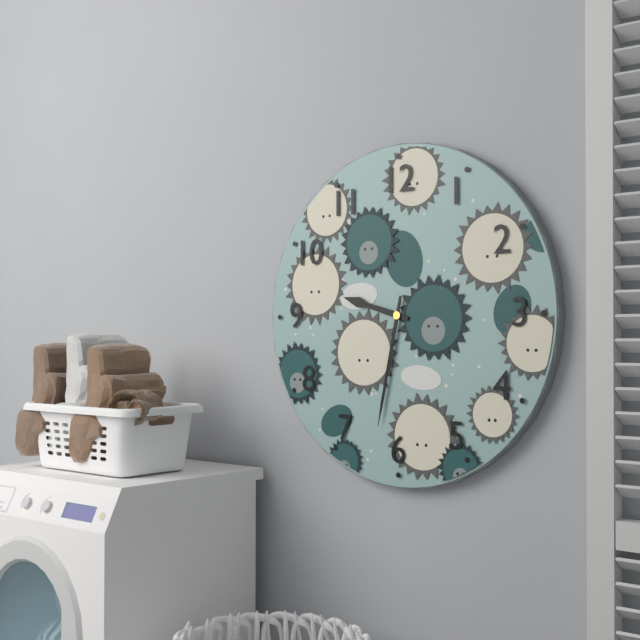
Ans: 9:32
